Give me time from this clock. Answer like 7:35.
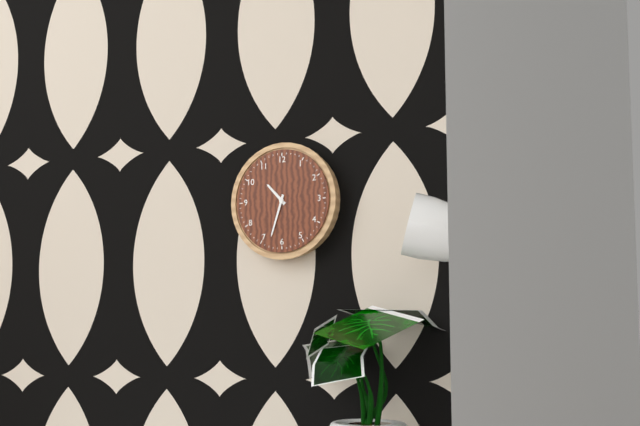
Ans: 10:33
